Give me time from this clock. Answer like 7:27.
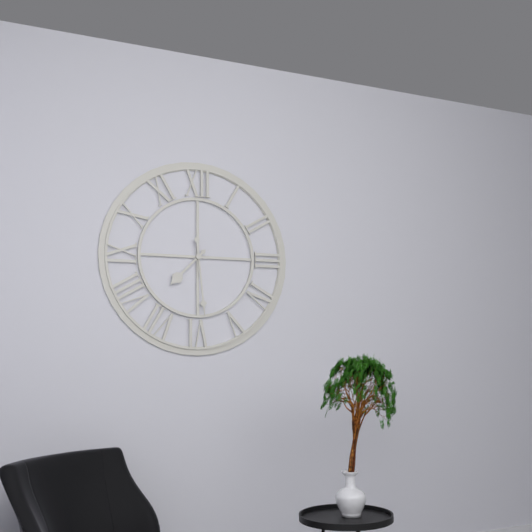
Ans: 7:29
